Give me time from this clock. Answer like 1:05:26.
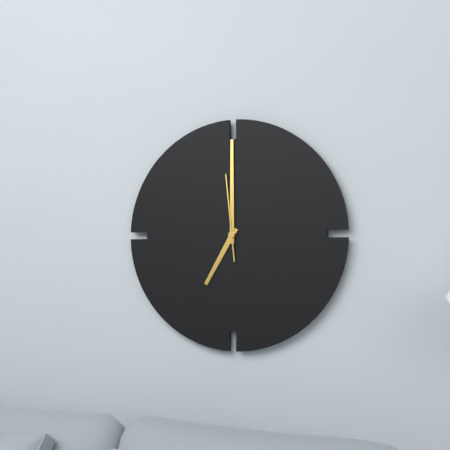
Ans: 7:00:59
